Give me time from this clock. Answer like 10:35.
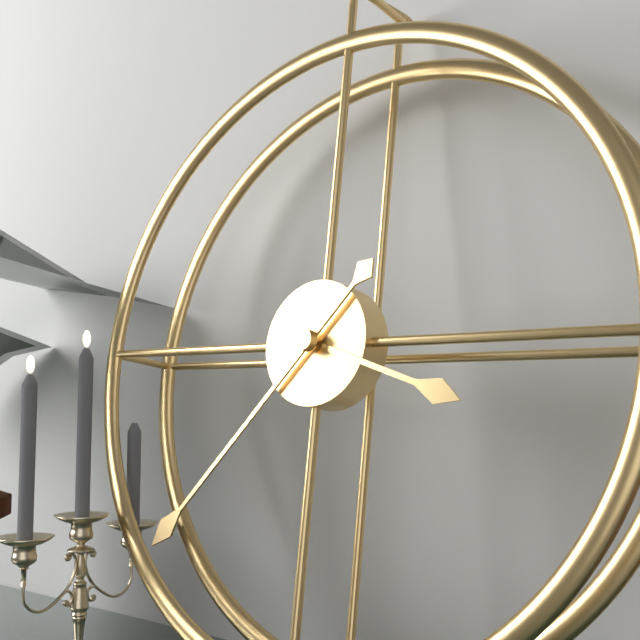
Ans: 3:37
